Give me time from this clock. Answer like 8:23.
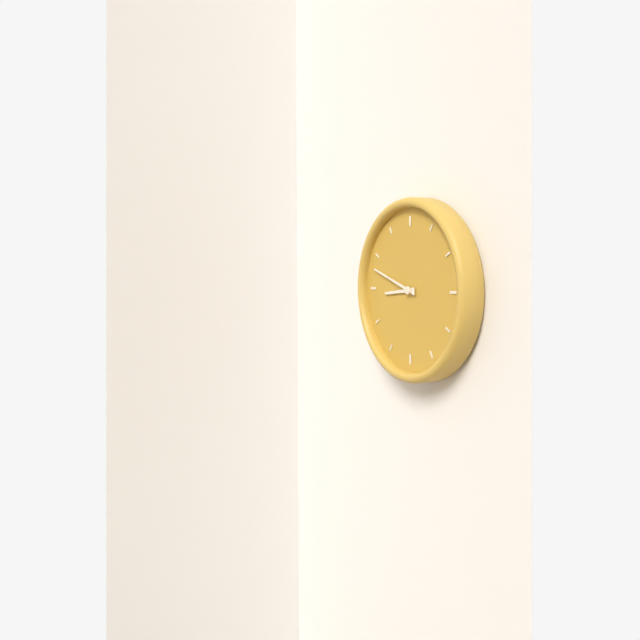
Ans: 8:48
